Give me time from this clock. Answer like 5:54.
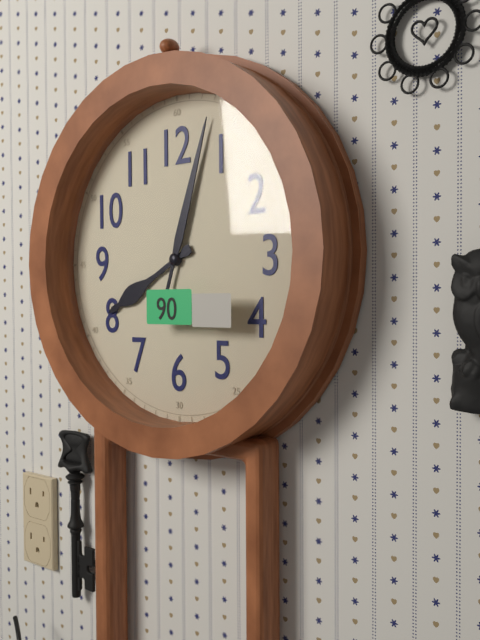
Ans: 8:03
